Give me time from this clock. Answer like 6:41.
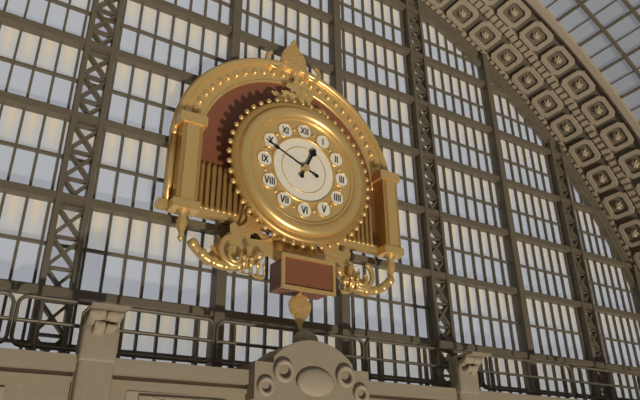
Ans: 12:49
